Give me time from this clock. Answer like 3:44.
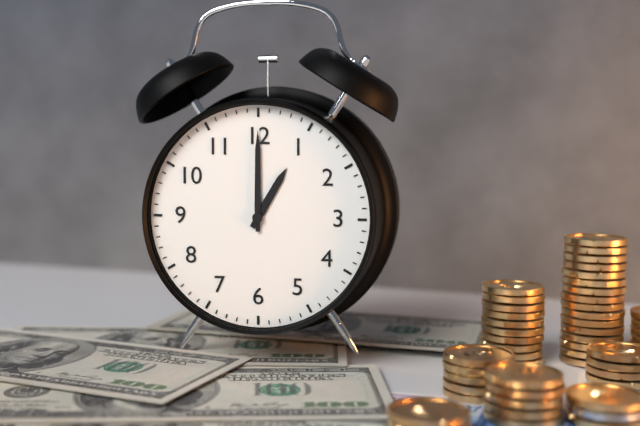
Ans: 1:00
